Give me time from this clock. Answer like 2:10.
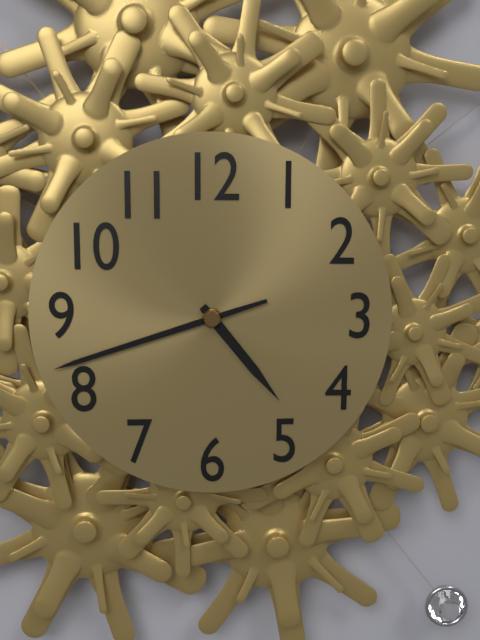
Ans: 4:42
